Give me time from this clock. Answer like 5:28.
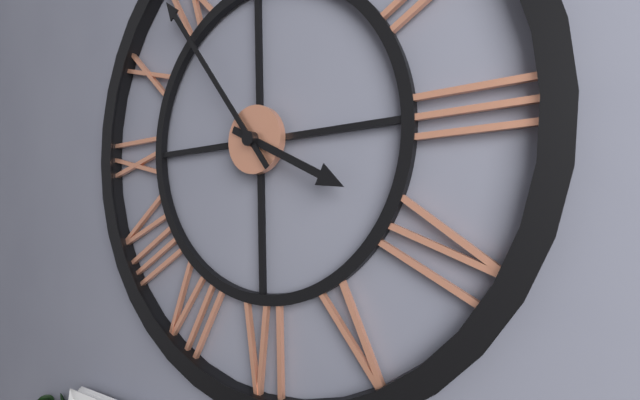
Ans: 3:54
